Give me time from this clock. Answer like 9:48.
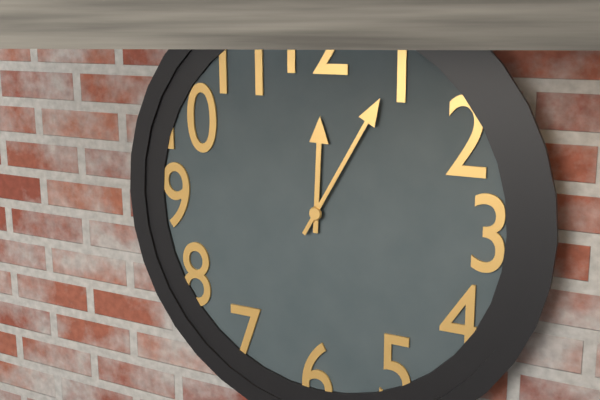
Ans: 12:05
